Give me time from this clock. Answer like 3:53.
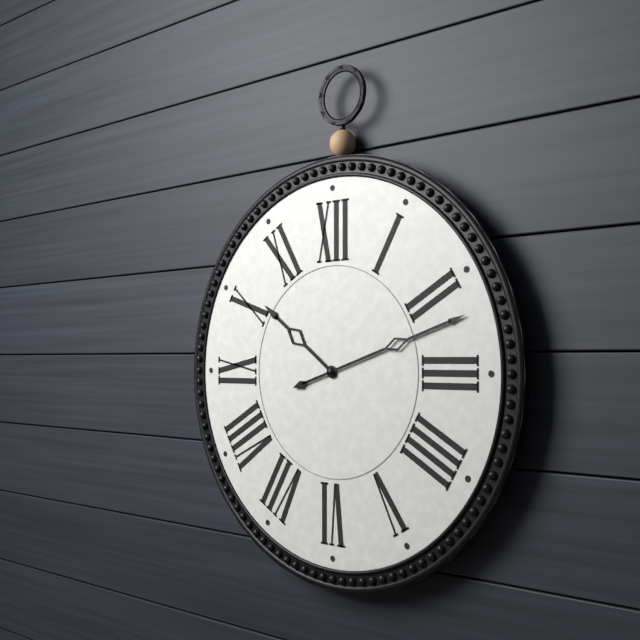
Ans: 10:12
